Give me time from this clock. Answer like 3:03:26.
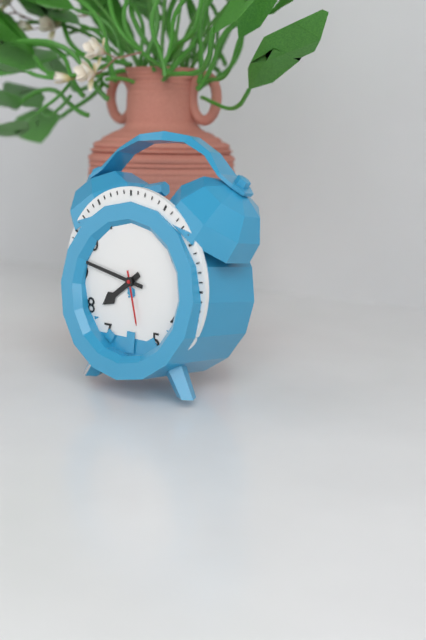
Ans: 7:47:28
